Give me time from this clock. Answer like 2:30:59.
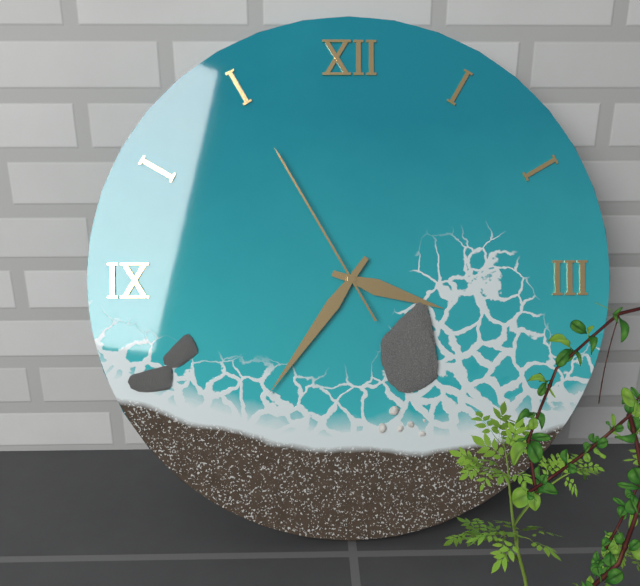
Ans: 3:36:55
